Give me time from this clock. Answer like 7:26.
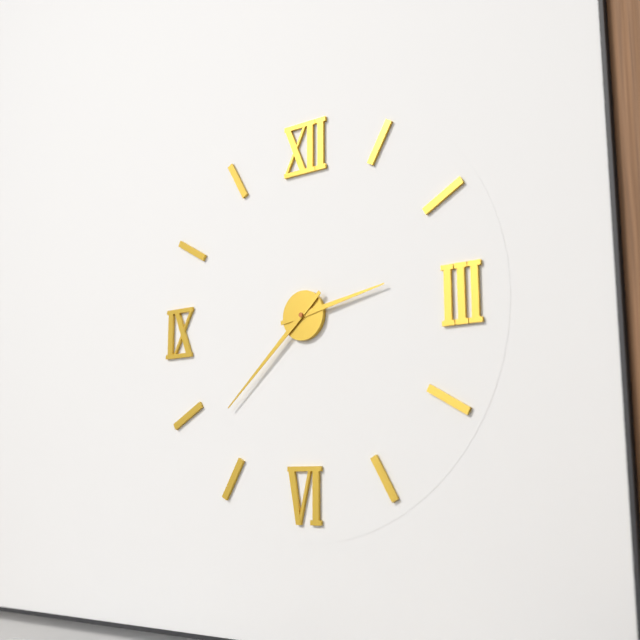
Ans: 2:38
